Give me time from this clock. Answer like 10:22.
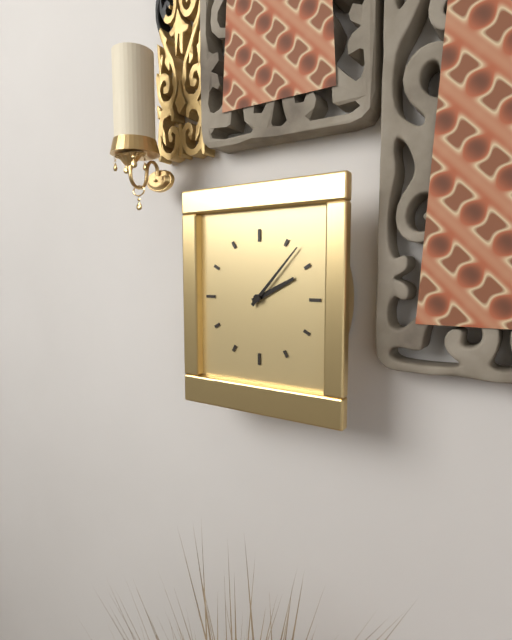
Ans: 2:07
